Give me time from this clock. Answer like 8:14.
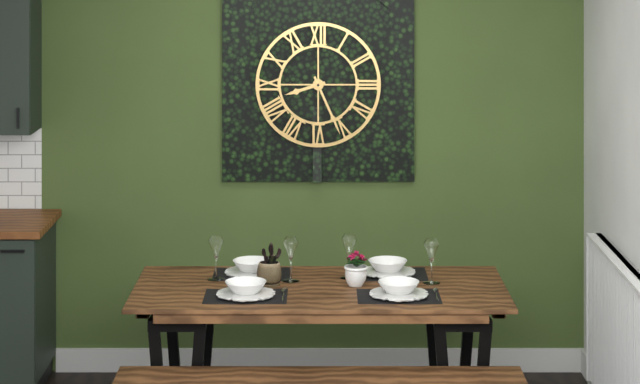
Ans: 8:26
